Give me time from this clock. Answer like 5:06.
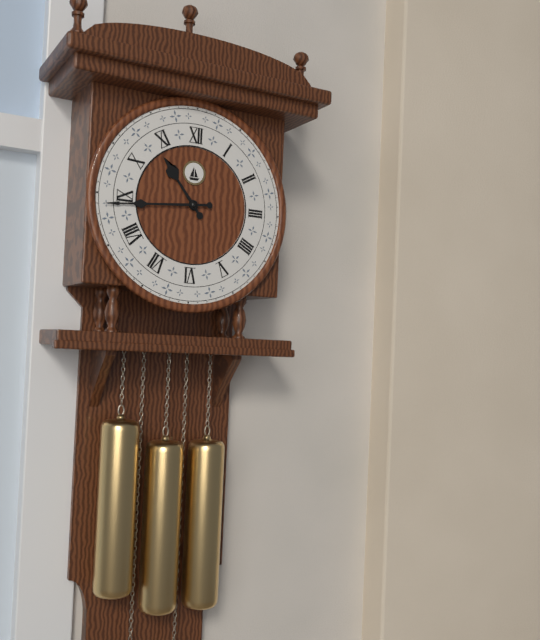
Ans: 10:44
